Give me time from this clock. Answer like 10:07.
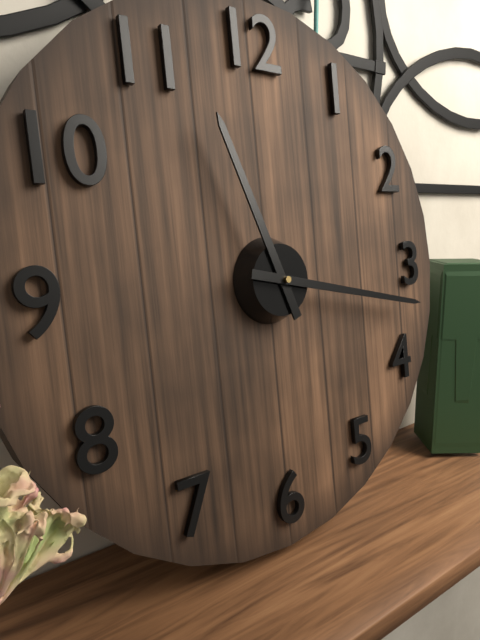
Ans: 11:17
